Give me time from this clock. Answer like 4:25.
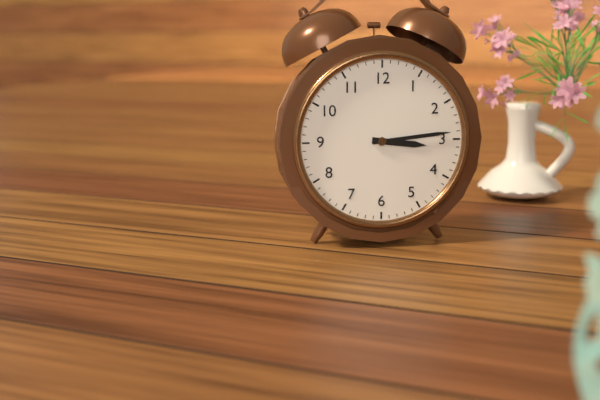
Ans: 3:14
